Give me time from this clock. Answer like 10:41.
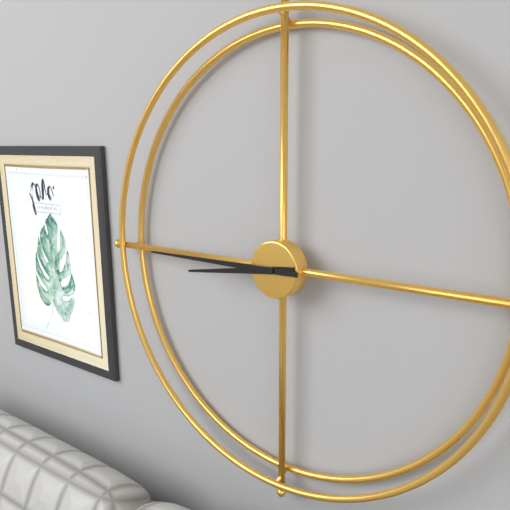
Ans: 8:45
